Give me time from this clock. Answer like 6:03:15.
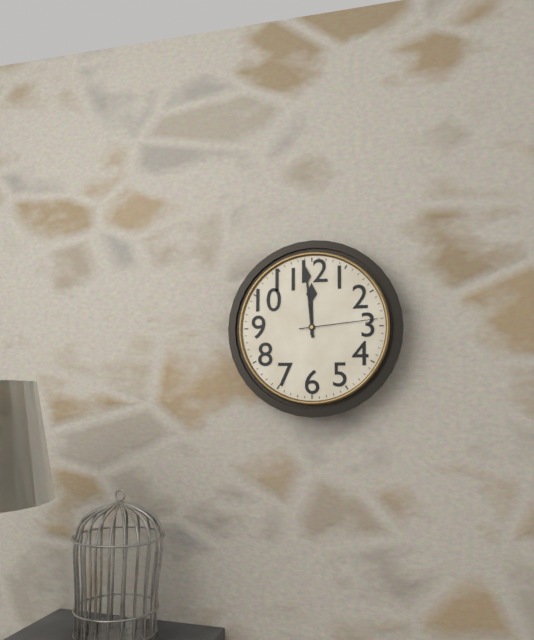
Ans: 11:59:14
